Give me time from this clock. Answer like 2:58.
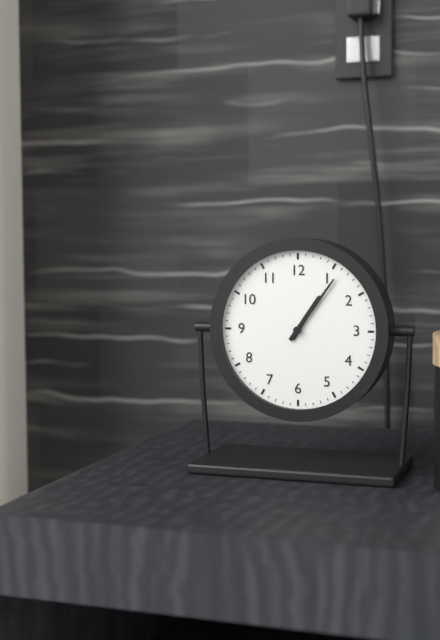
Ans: 1:06
